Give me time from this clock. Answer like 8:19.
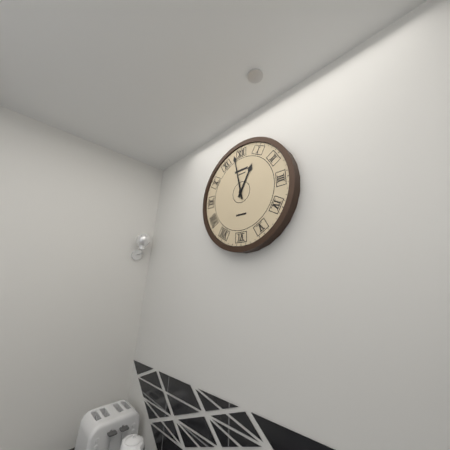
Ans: 12:58
